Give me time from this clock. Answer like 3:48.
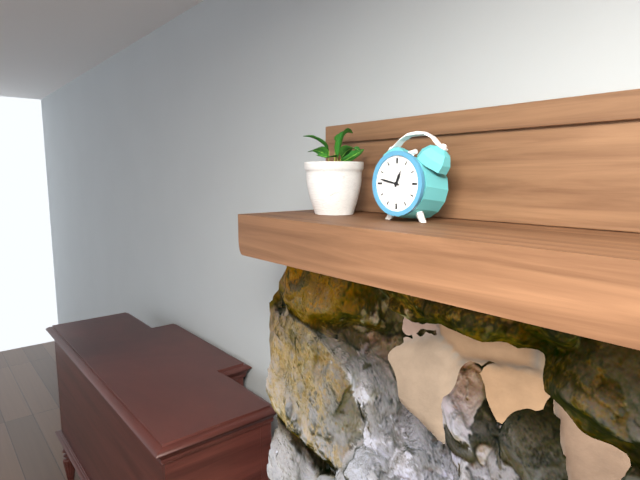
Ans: 12:47
